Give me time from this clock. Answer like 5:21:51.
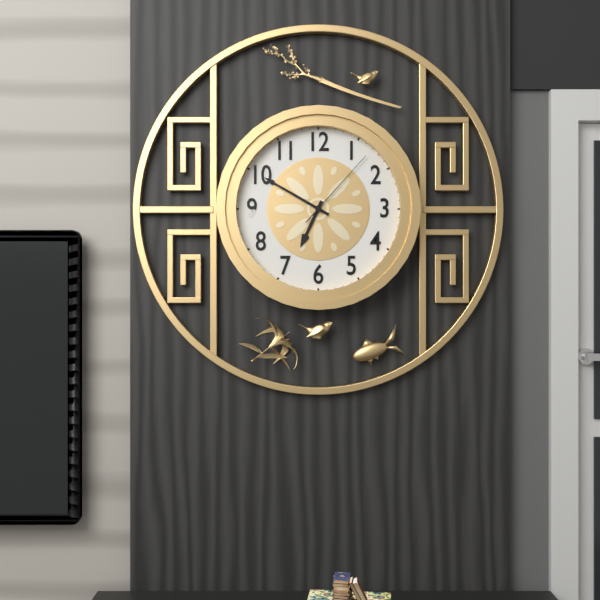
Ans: 6:50:07
